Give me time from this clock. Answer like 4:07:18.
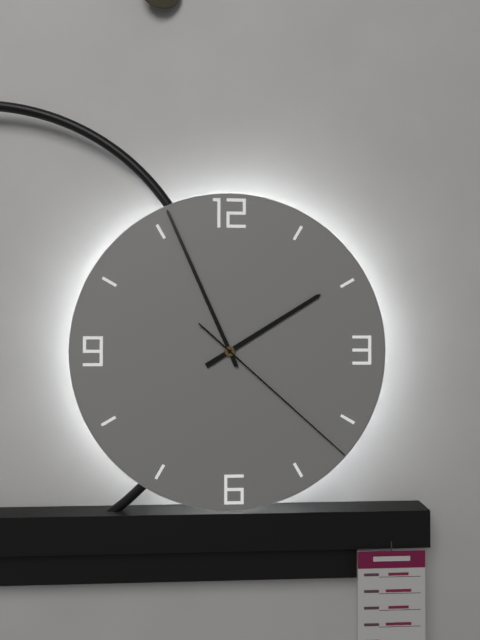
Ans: 1:56:22
